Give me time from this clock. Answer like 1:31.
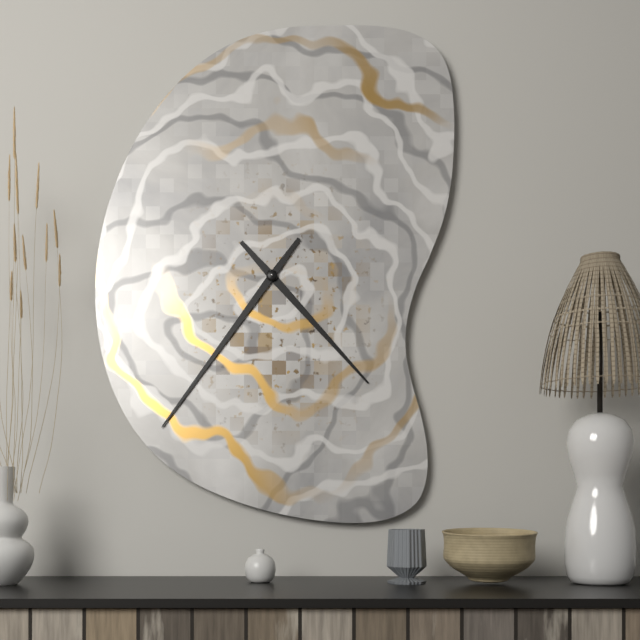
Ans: 4:36
